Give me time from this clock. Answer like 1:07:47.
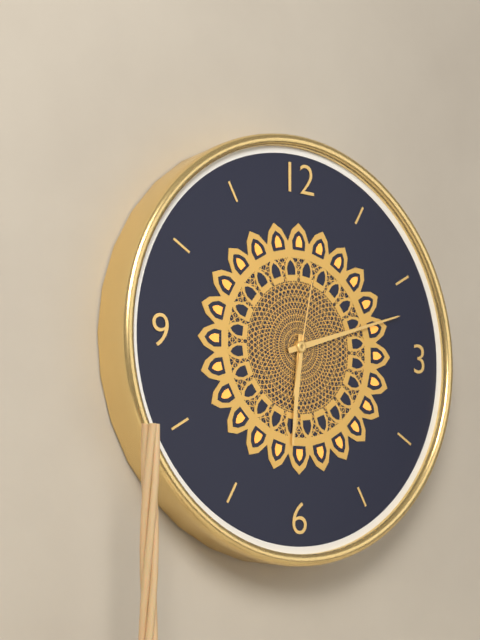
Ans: 6:12:02
